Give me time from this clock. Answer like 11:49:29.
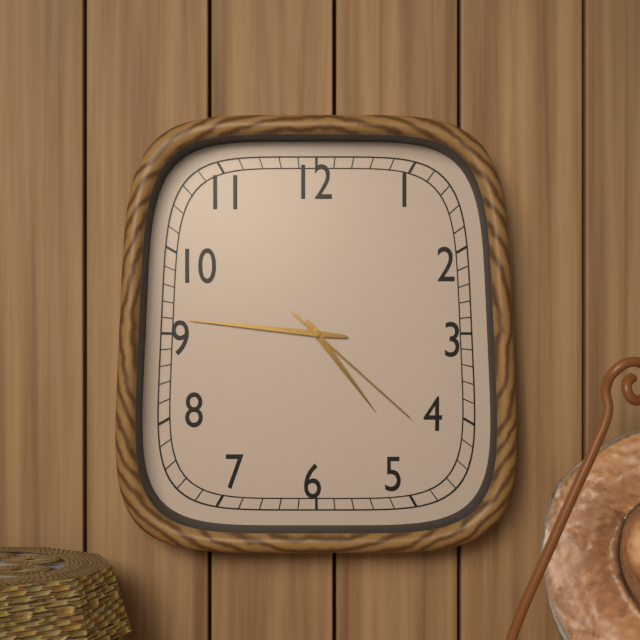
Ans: 4:46:22
